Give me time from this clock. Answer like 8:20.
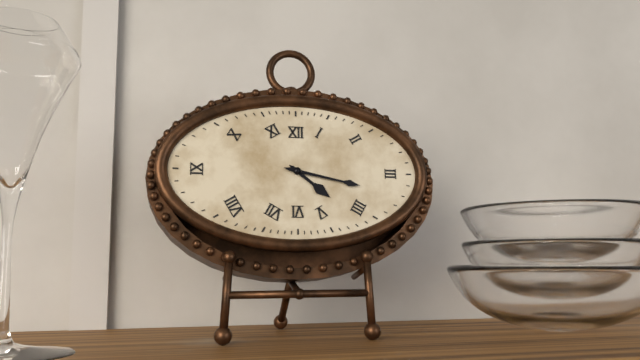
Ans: 4:17
